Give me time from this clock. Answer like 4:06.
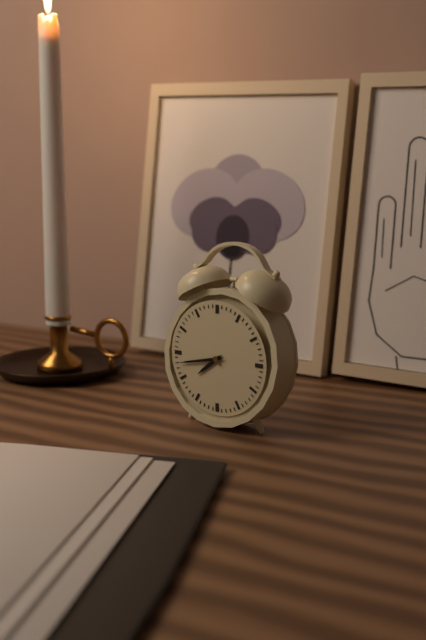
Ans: 7:43
